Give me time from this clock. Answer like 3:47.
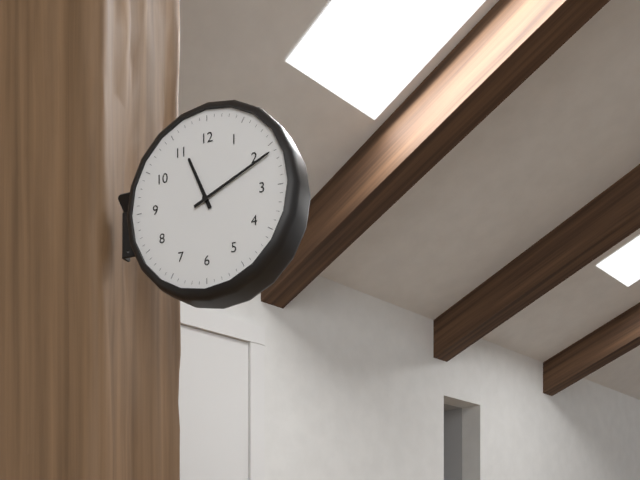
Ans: 11:11
